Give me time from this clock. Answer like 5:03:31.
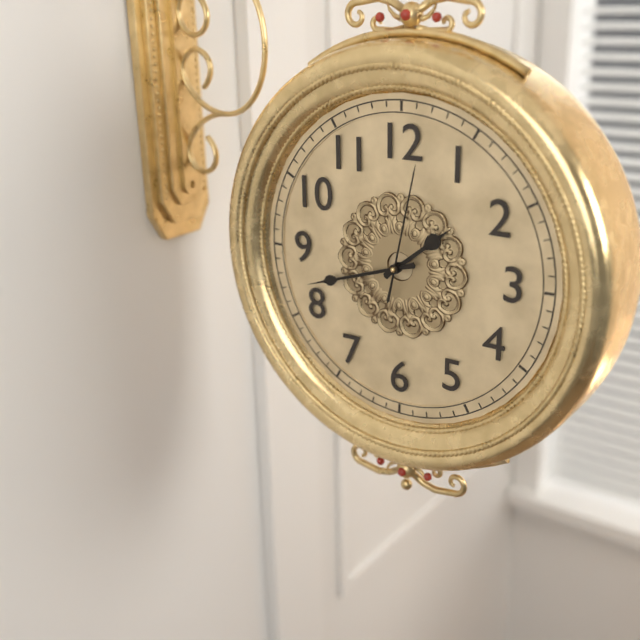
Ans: 1:42:02
